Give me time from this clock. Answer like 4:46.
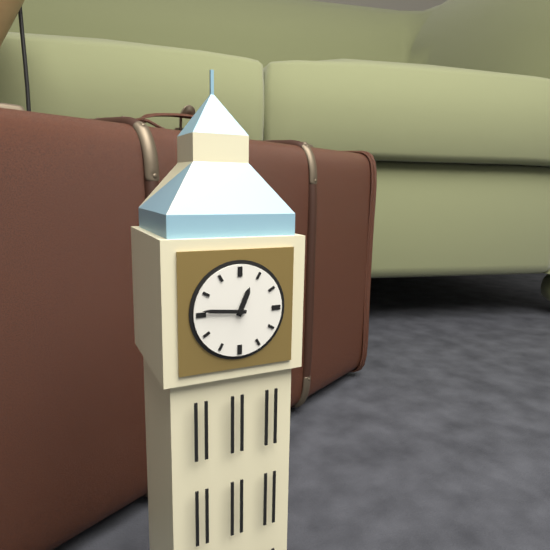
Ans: 12:46
